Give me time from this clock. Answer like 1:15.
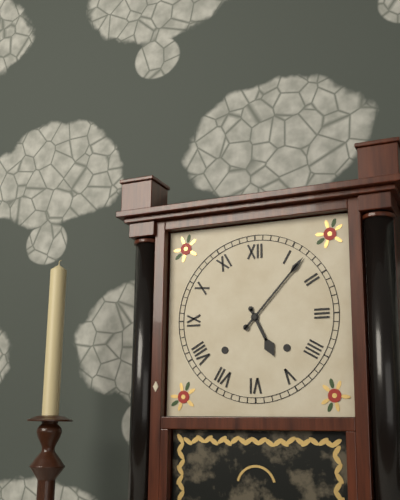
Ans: 5:07
